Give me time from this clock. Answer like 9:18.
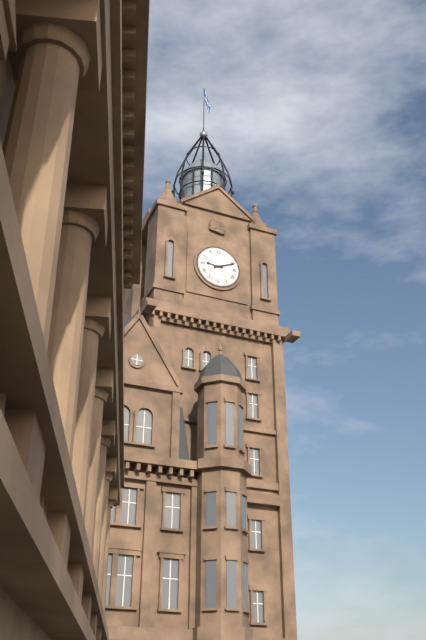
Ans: 9:11
